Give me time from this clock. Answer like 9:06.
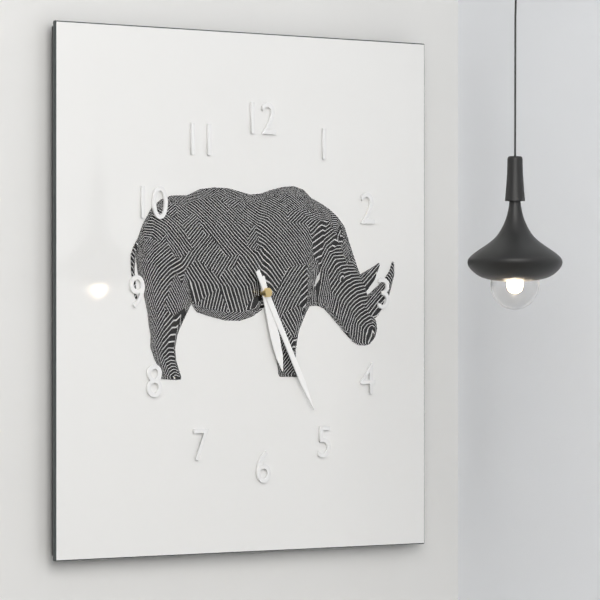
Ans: 5:25
